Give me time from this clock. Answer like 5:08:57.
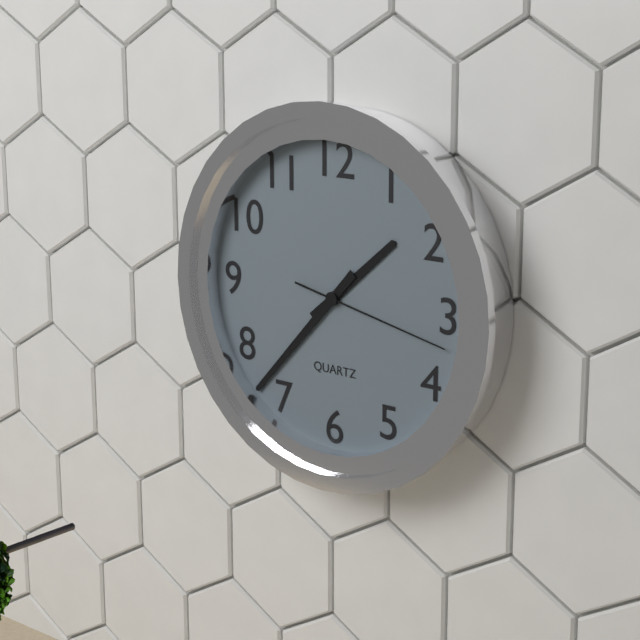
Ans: 1:37:17
